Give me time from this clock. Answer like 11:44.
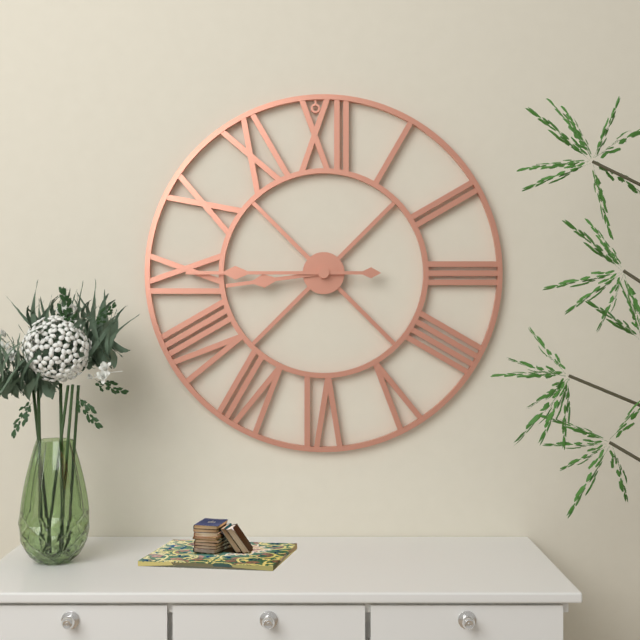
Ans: 8:45
